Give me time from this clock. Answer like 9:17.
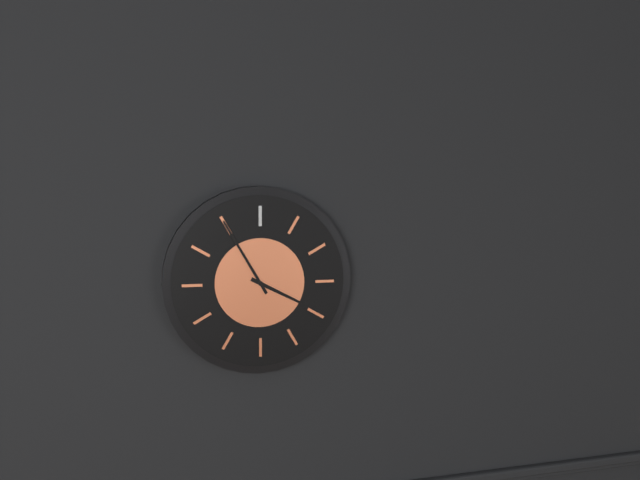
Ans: 3:55
